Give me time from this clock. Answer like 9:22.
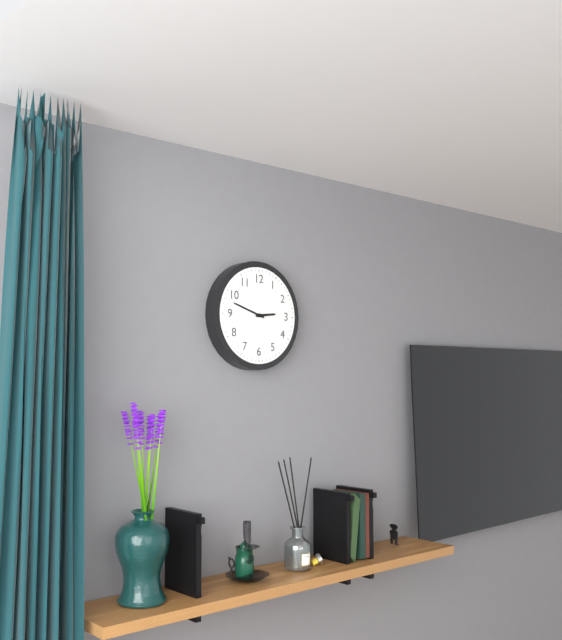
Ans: 2:48
